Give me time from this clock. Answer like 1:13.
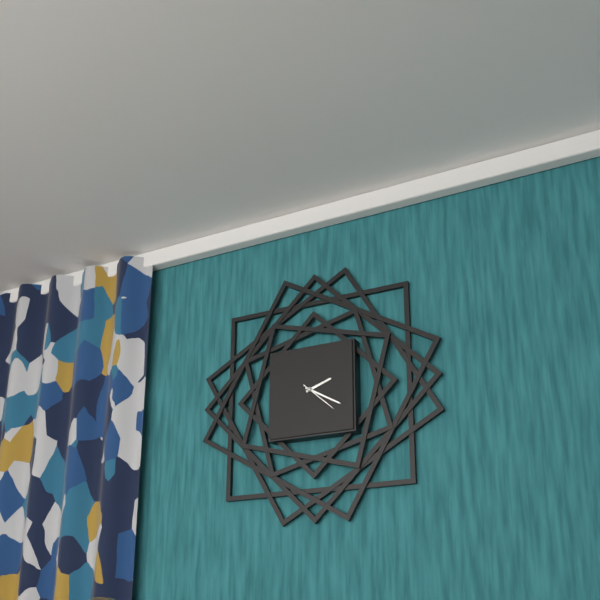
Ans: 2:20
